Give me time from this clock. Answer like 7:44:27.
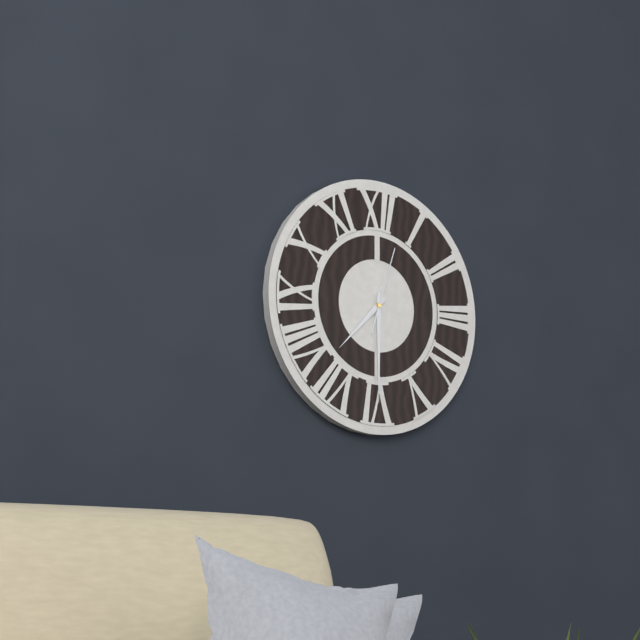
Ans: 7:30:03
